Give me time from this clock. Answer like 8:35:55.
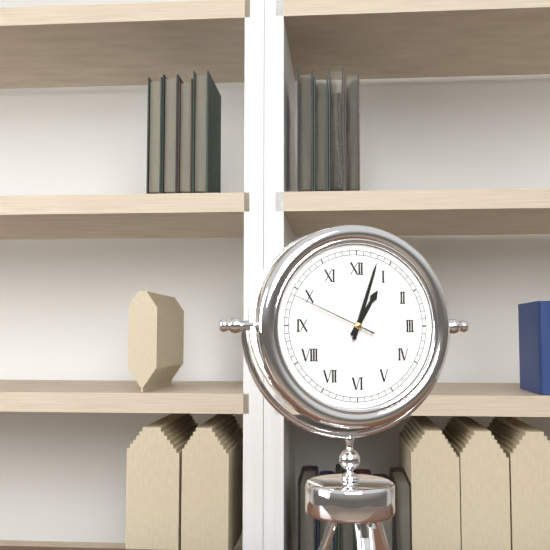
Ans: 1:03:49
